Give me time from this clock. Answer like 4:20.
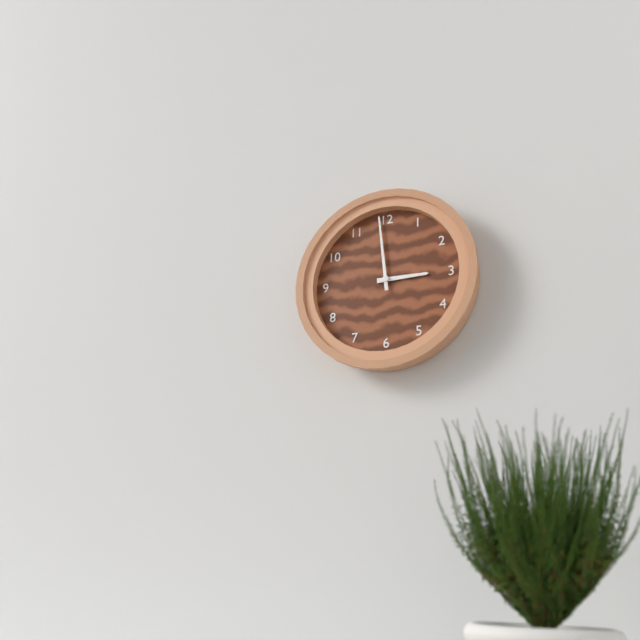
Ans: 2:59
